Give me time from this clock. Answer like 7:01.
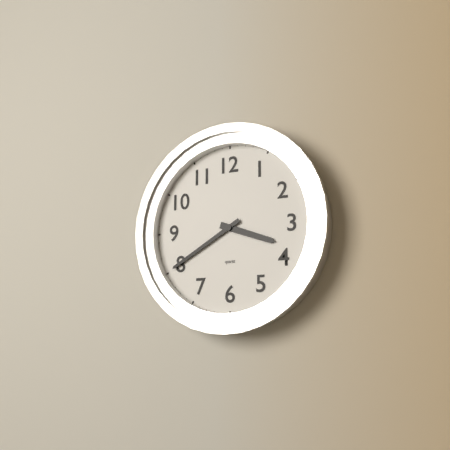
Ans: 3:40
